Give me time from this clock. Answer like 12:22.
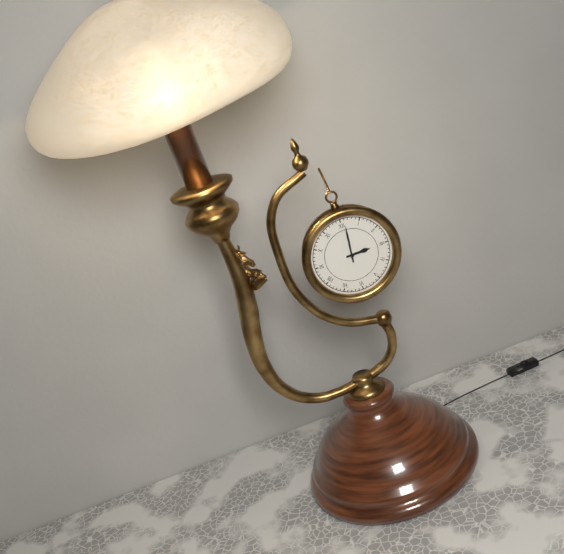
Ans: 3:01
